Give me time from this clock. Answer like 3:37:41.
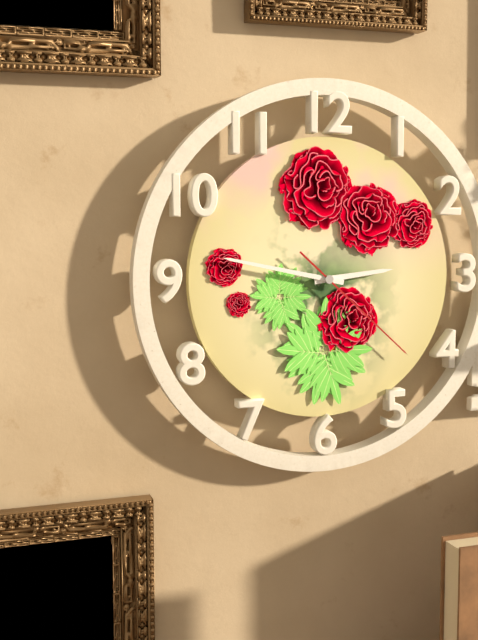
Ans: 2:47:22
